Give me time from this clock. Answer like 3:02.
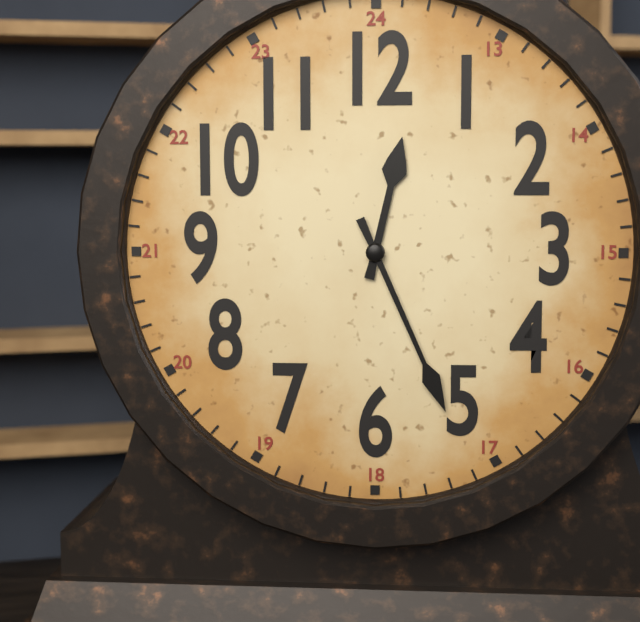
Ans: 12:26
